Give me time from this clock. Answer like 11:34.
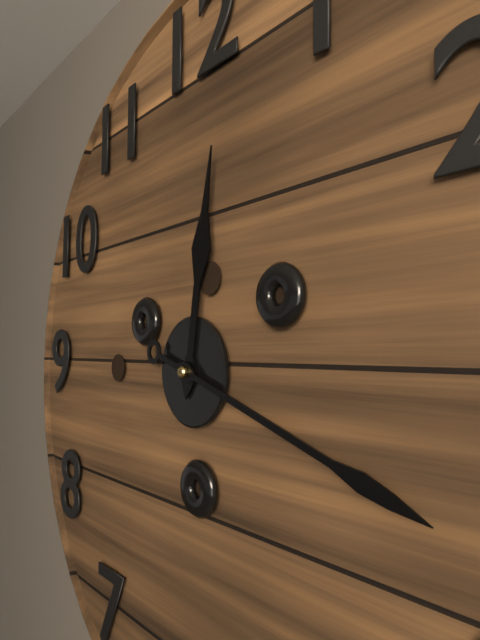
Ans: 12:18
